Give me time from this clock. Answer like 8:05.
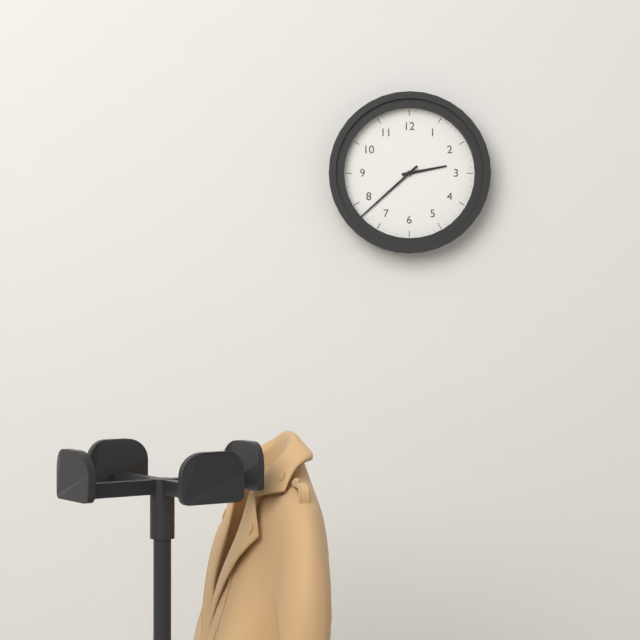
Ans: 2:38
